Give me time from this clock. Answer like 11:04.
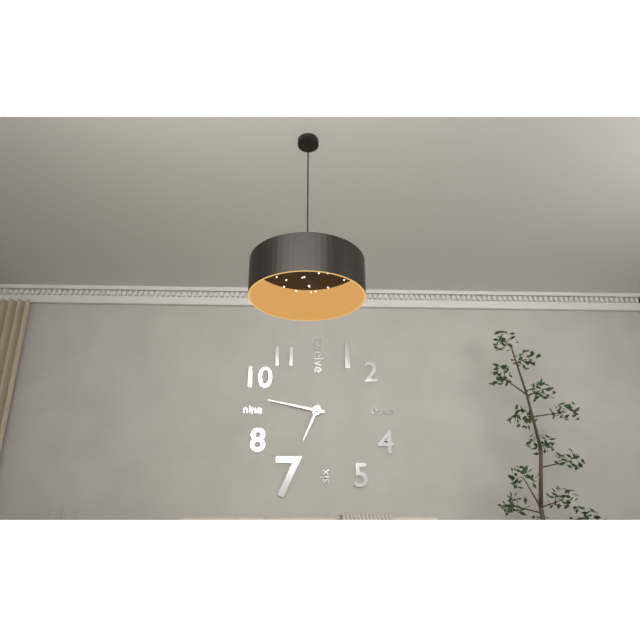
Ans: 6:47
